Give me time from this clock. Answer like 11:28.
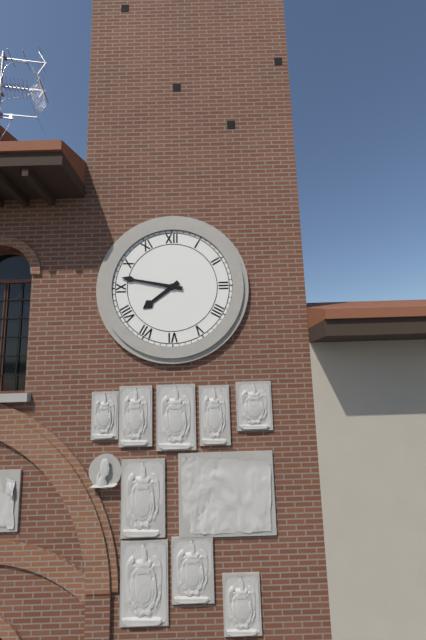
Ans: 7:47
